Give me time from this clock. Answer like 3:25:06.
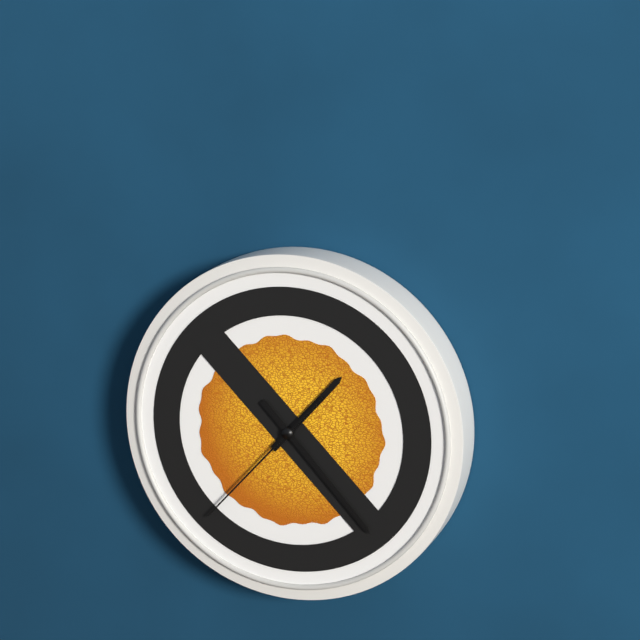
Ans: 1:23:37
